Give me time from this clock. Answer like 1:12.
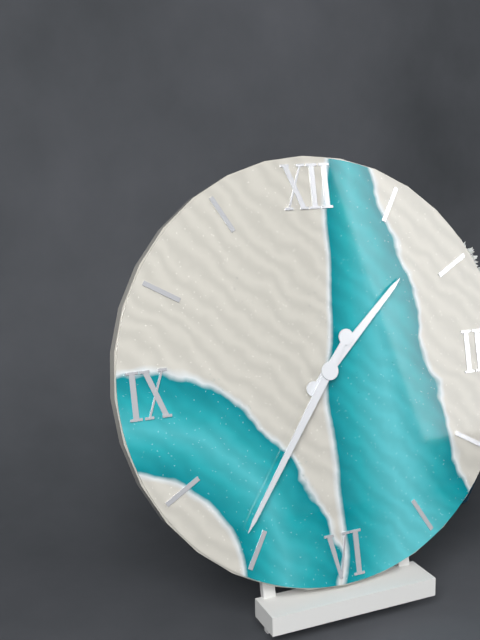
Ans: 1:36
